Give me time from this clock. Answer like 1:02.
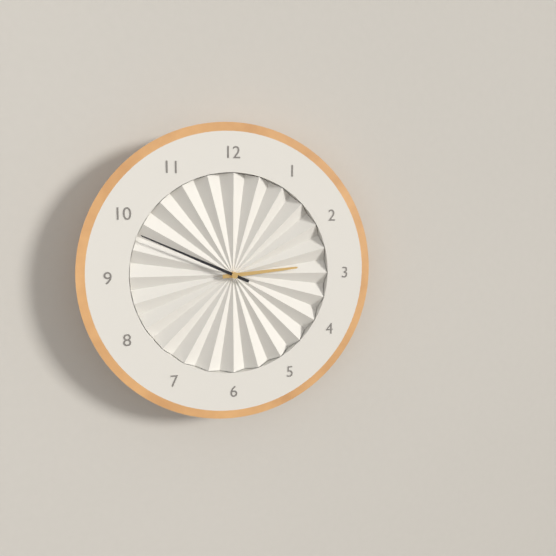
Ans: 2:49
